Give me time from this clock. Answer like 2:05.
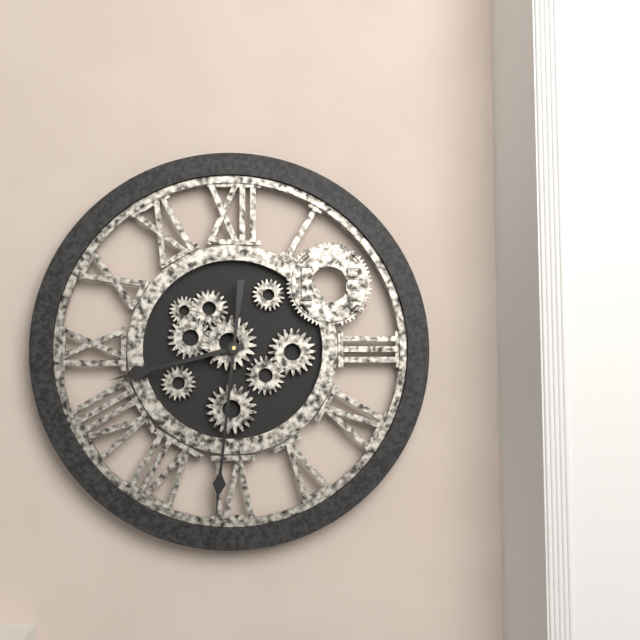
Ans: 8:31
